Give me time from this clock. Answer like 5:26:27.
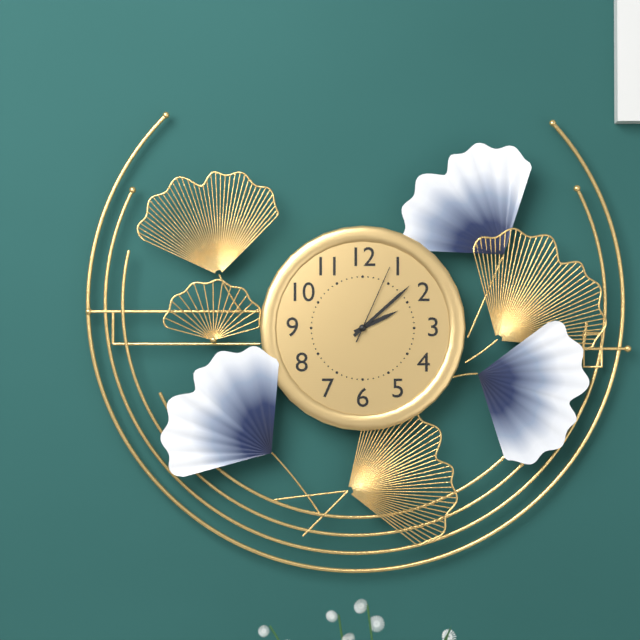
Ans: 2:08:04
